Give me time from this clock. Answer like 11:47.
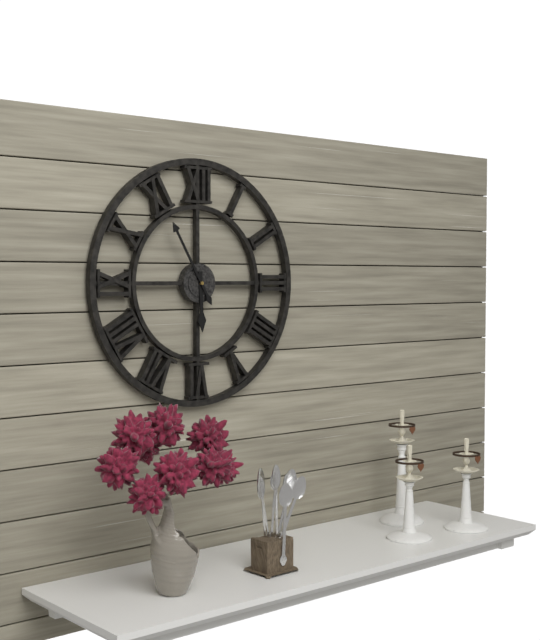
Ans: 5:55
